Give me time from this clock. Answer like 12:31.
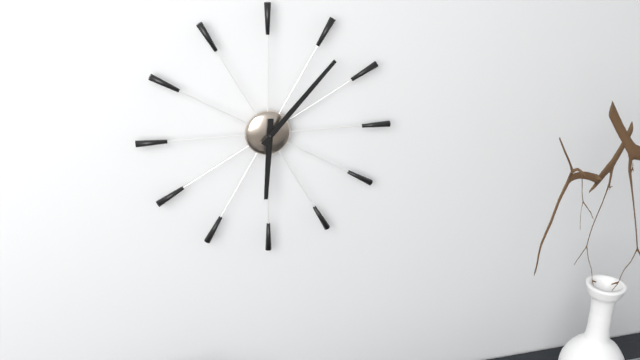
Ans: 6:07
